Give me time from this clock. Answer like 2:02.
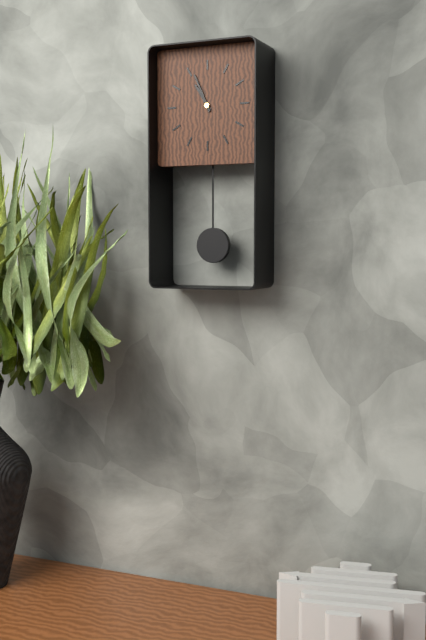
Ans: 10:56
